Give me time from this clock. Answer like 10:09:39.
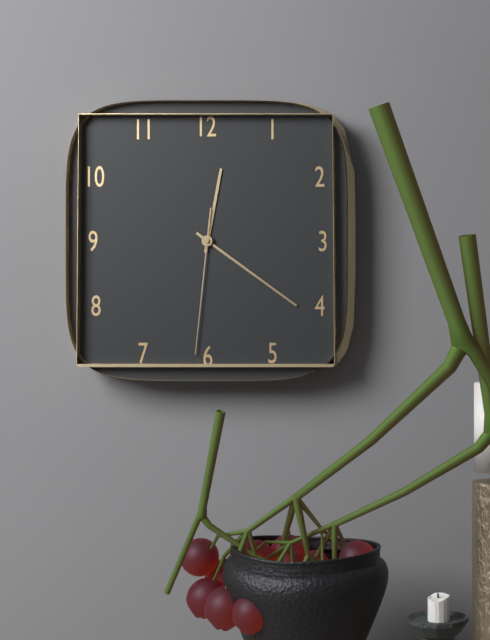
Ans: 12:21:31
